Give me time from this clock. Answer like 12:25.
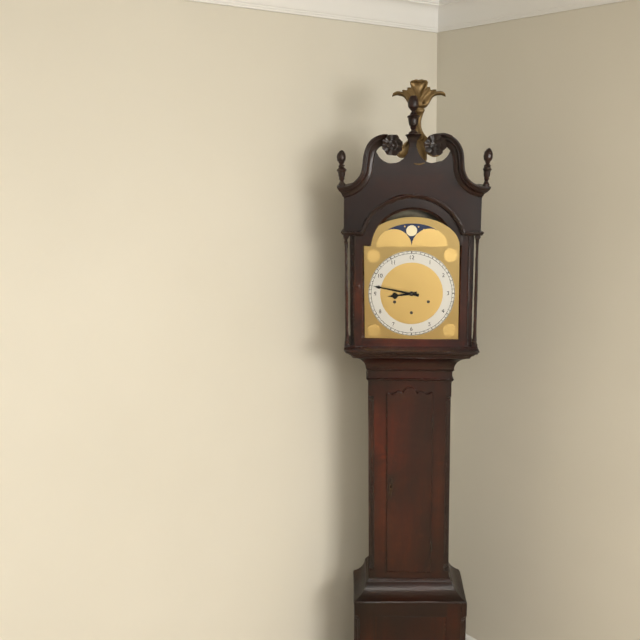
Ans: 8:47
